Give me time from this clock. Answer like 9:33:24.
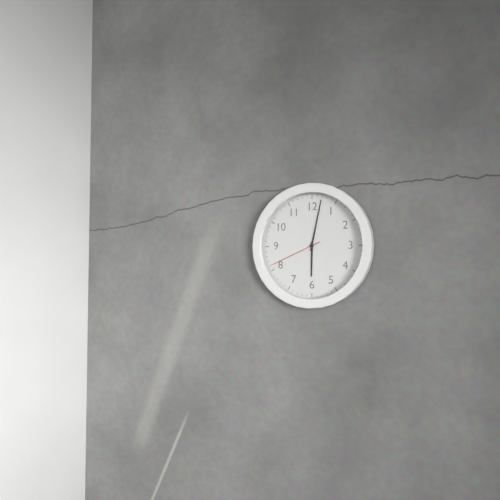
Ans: 6:02:41
